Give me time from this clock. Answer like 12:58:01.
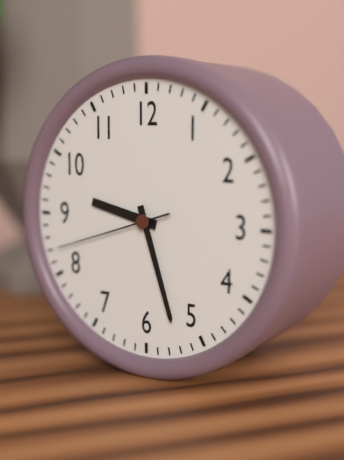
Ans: 9:27:42
